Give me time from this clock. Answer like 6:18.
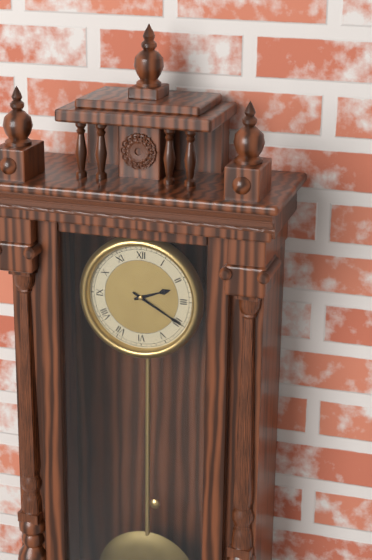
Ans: 2:20
